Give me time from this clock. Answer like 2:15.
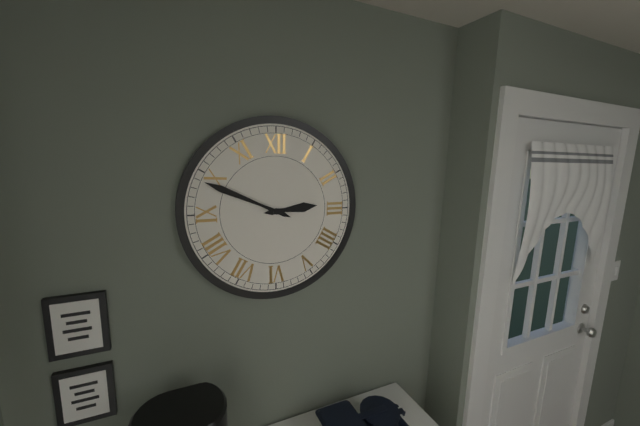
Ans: 2:49
